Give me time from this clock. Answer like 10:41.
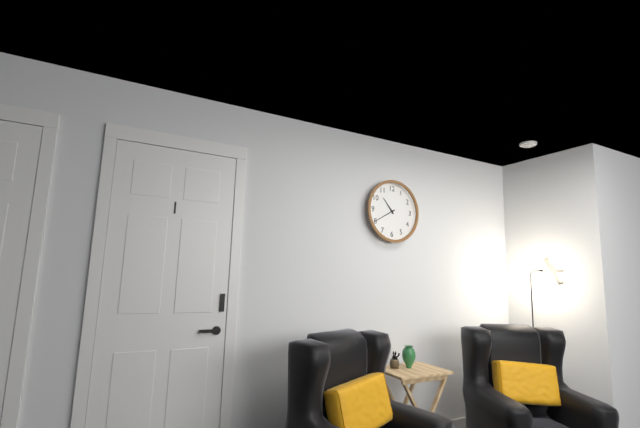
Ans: 10:40
